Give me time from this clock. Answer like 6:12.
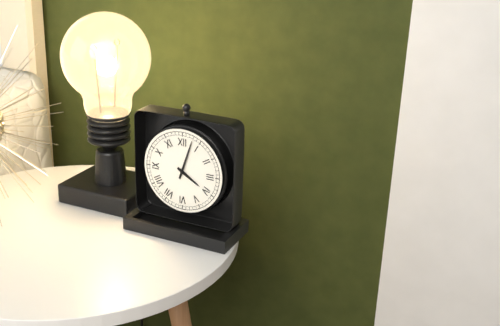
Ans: 4:03
